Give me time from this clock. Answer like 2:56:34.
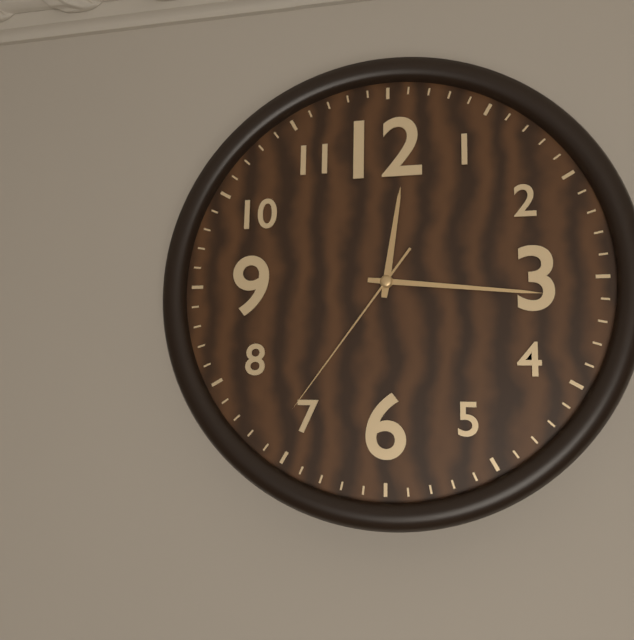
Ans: 12:16:36
